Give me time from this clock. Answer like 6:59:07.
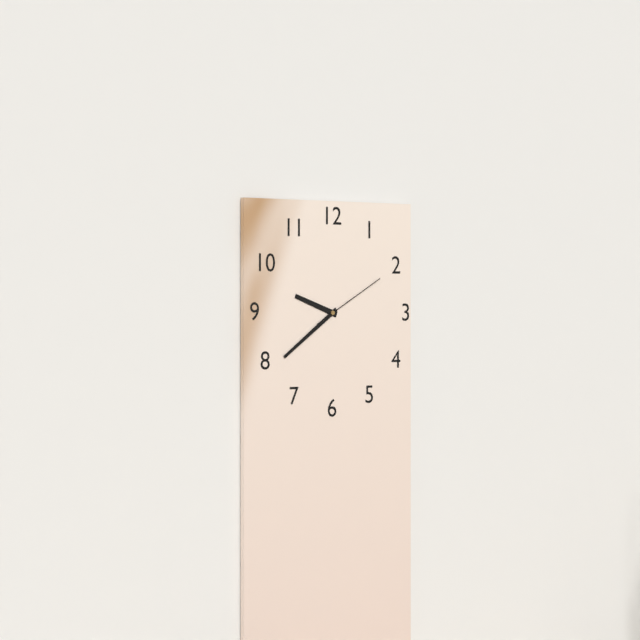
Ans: 9:39:10
